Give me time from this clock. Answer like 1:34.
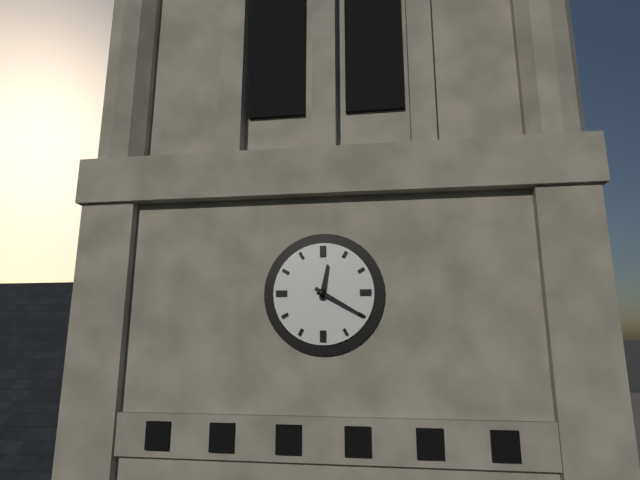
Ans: 12:20
